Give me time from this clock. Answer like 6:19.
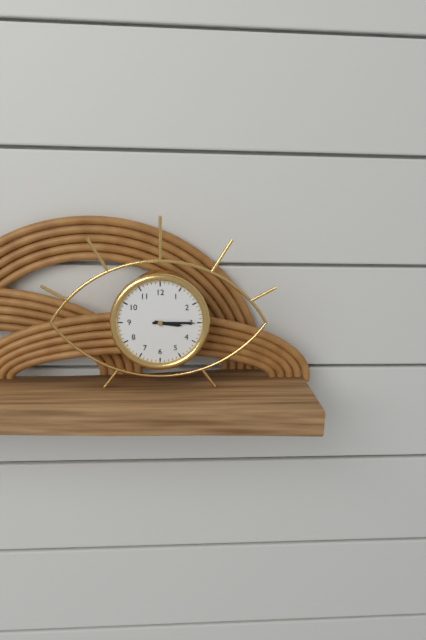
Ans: 3:15
